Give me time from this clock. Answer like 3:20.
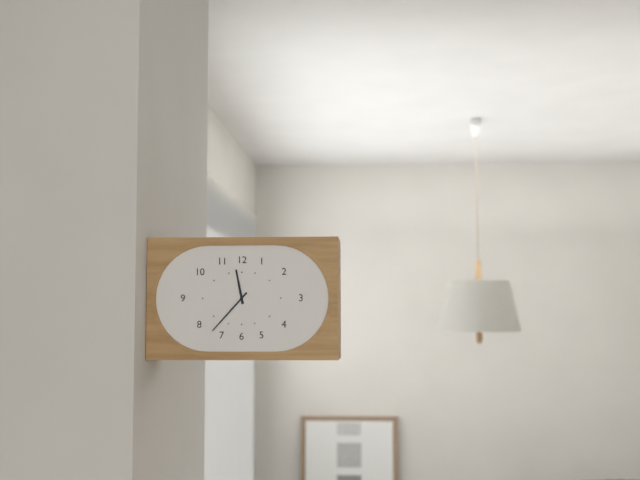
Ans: 11:37
